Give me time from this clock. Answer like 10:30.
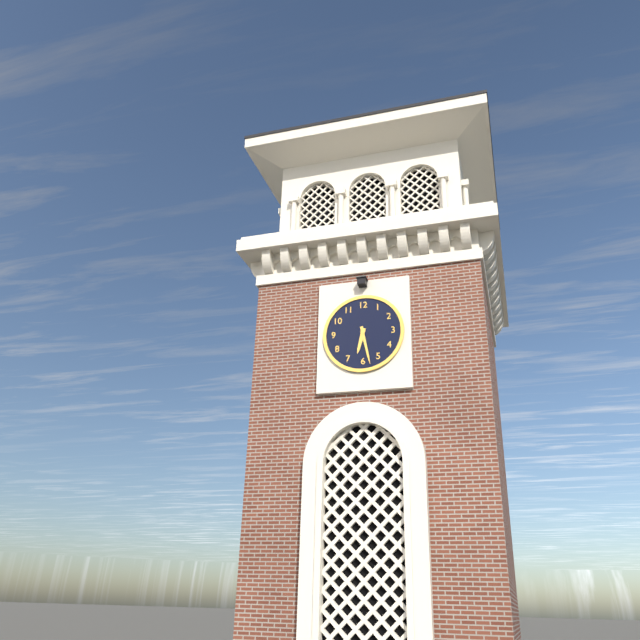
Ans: 6:28
